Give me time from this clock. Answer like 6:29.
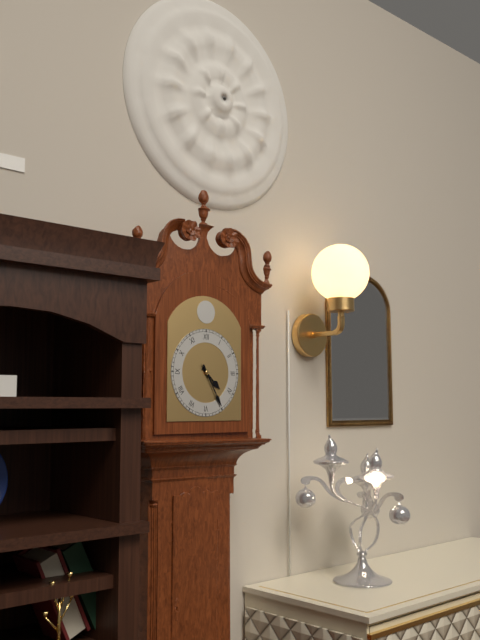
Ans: 4:25
